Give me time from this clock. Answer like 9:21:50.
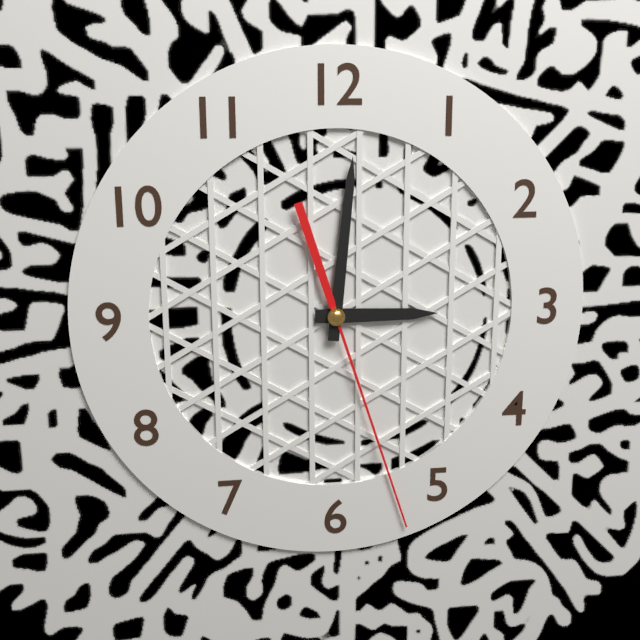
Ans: 3:01:27
